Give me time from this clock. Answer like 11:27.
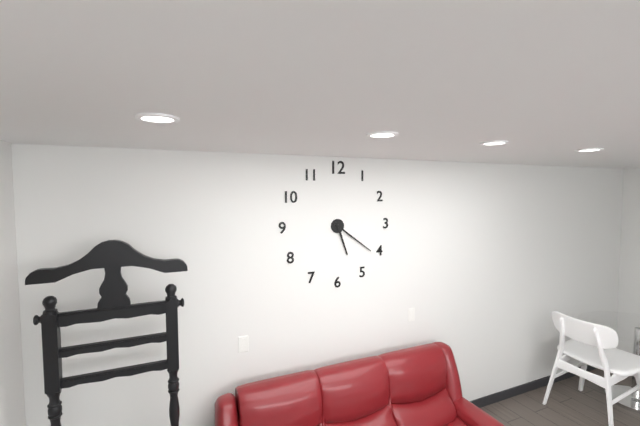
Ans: 5:21
